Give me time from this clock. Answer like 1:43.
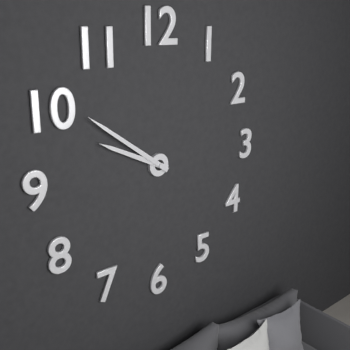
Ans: 9:51
